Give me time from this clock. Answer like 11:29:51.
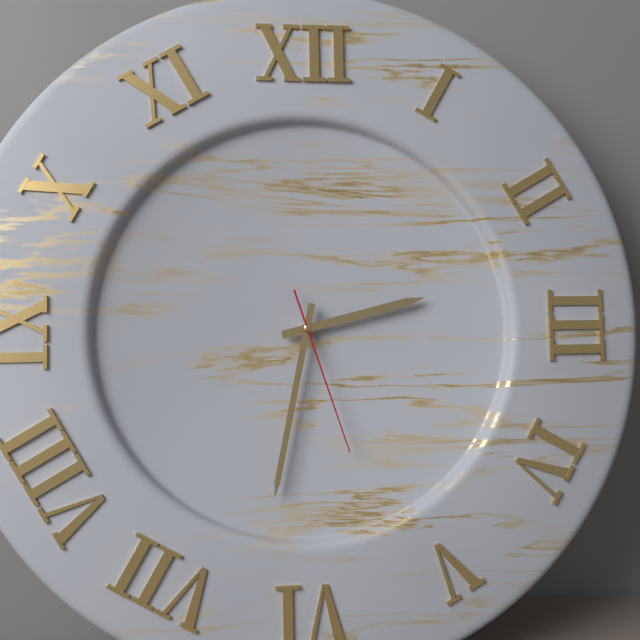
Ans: 2:32:27
